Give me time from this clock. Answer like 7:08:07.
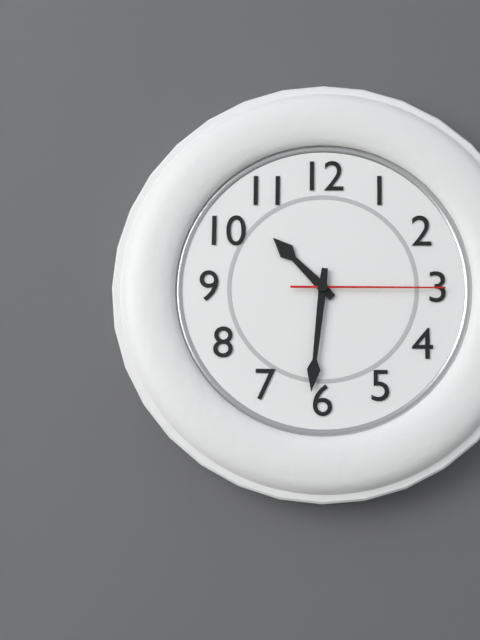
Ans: 10:31:15
